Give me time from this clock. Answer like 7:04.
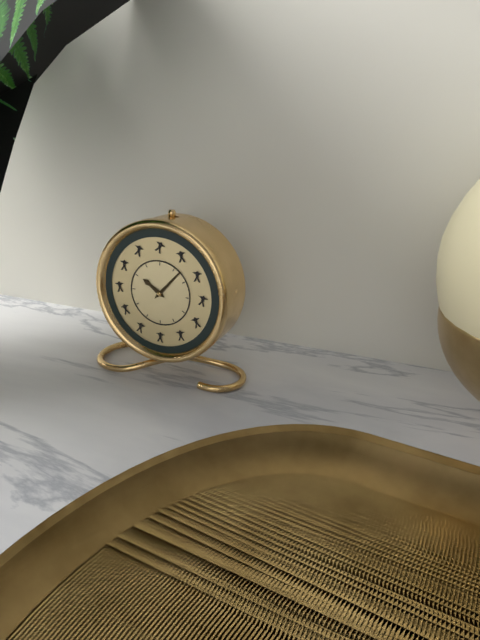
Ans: 10:07
